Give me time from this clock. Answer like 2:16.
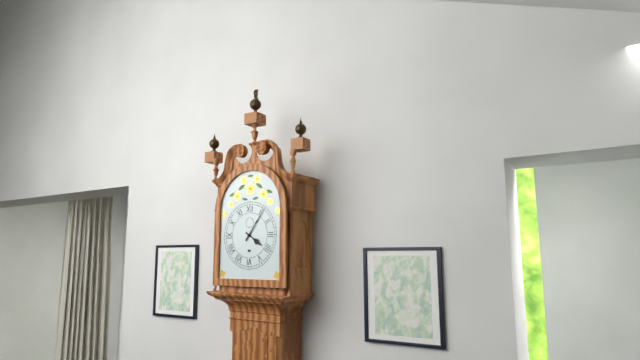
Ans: 4:06
